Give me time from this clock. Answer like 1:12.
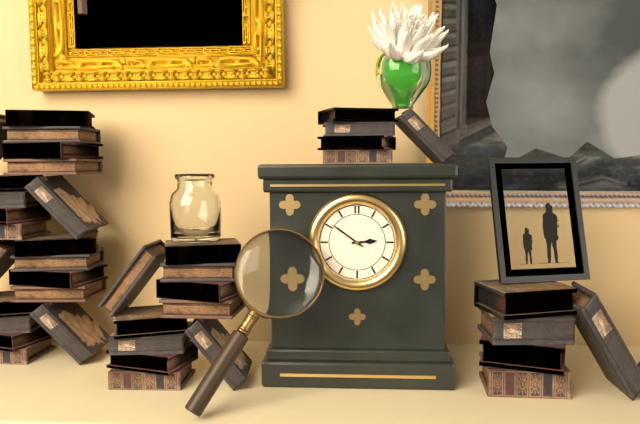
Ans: 2:51
